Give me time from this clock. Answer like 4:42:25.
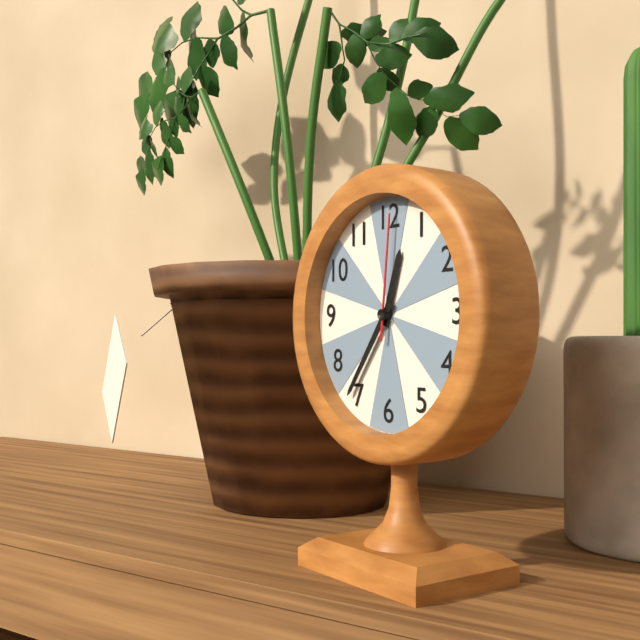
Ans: 12:36:01
